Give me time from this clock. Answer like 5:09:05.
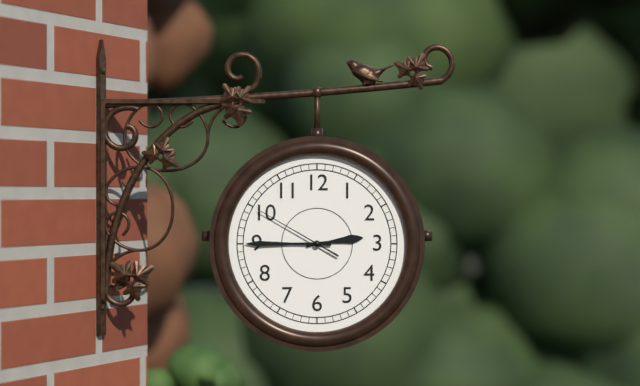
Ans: 2:45:50
